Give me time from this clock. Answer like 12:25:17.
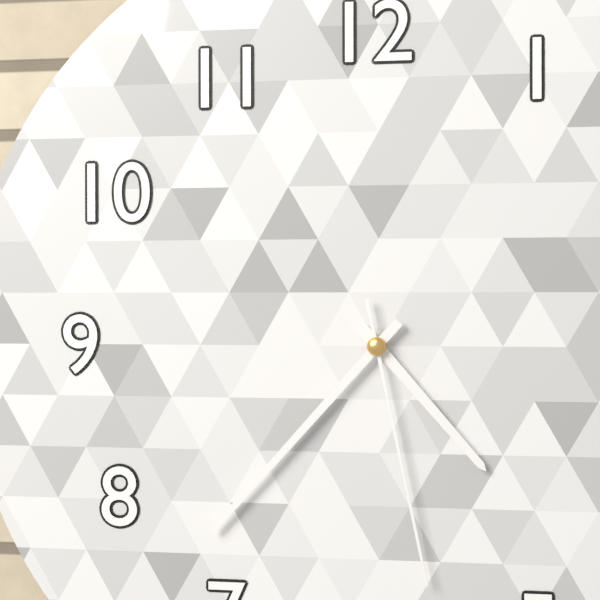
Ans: 4:37:28
